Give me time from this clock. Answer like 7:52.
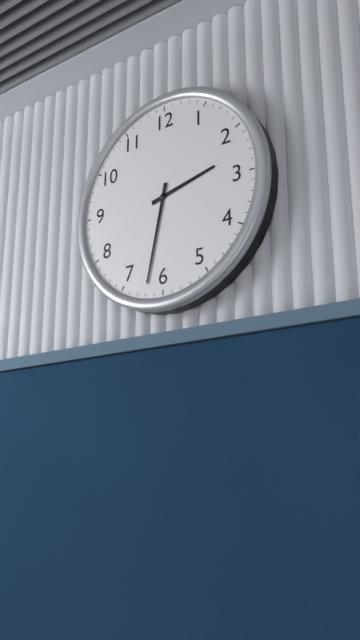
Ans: 2:32
